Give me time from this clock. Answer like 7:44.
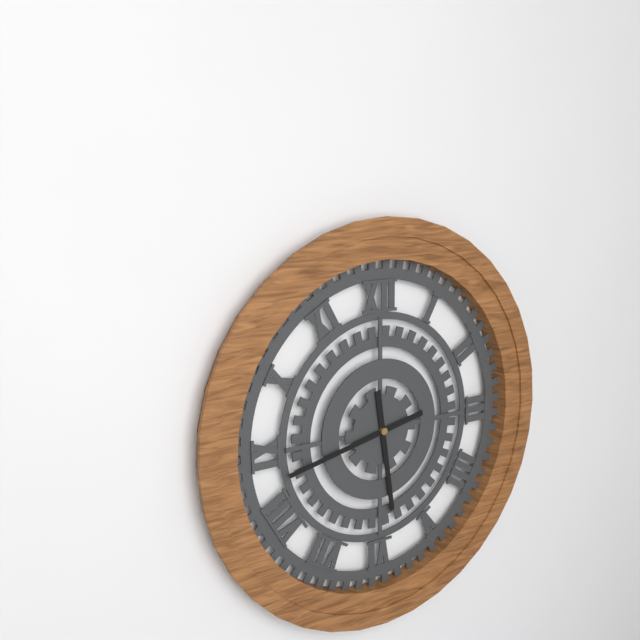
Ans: 5:43
